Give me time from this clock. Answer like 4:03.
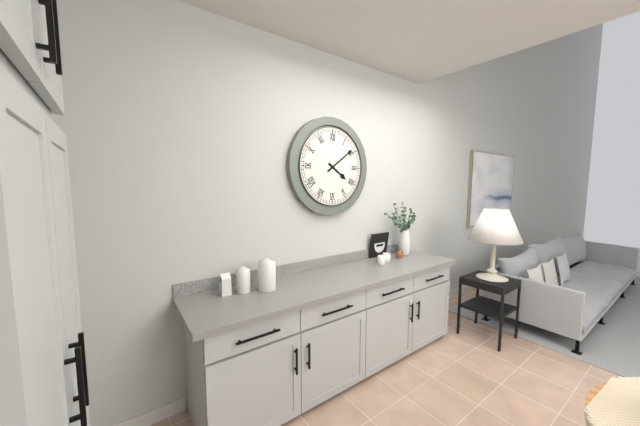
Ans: 4:09
